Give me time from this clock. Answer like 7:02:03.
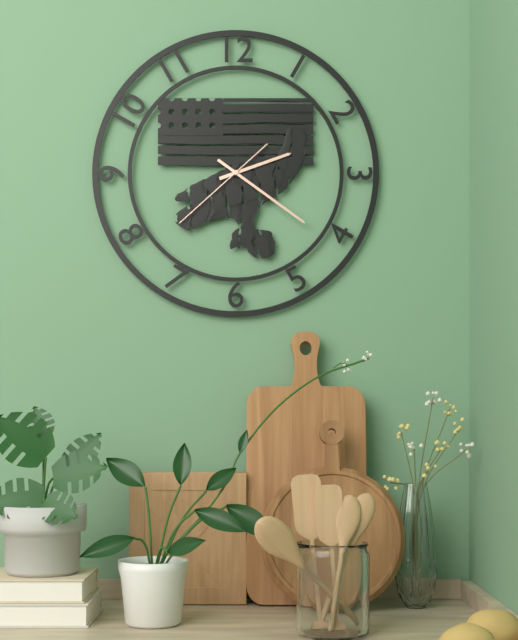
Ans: 2:21:38
